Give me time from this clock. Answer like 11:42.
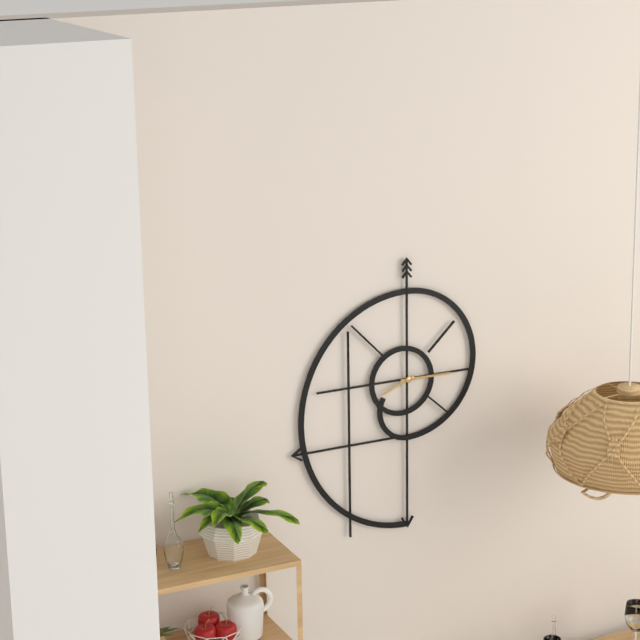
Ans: 8:15
